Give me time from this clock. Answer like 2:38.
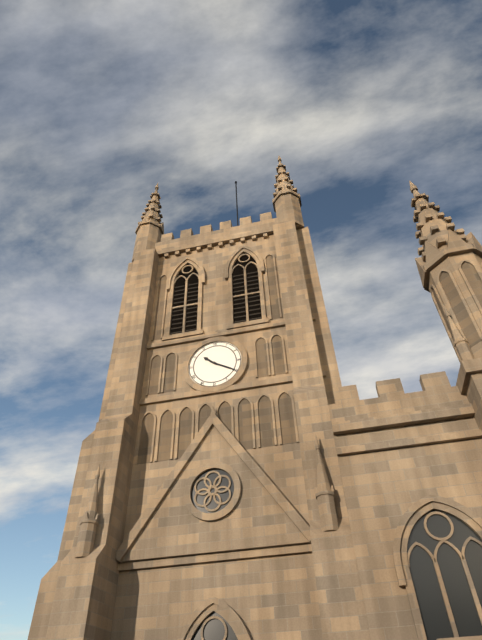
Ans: 10:20
